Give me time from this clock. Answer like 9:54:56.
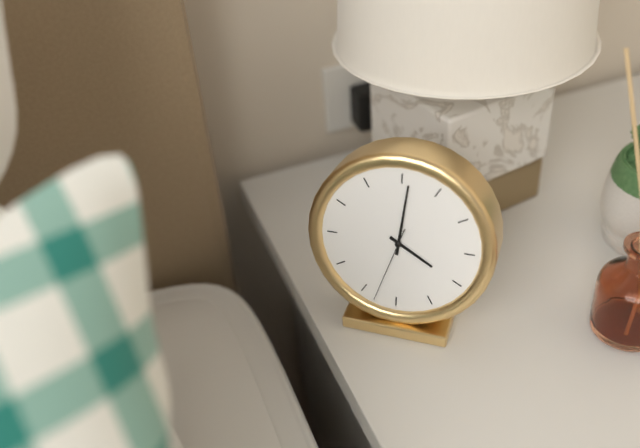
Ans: 4:01:33
